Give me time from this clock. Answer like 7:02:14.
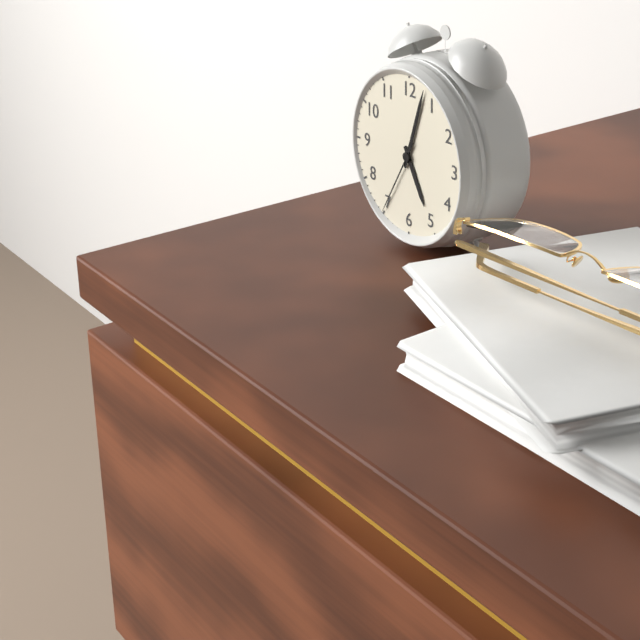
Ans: 5:03:35
